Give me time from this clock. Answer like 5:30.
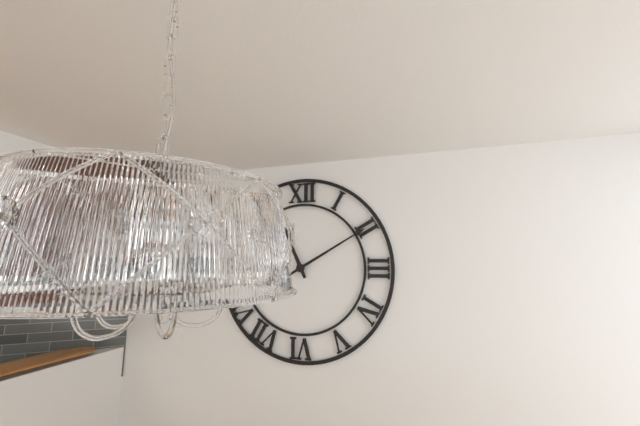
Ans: 11:10
